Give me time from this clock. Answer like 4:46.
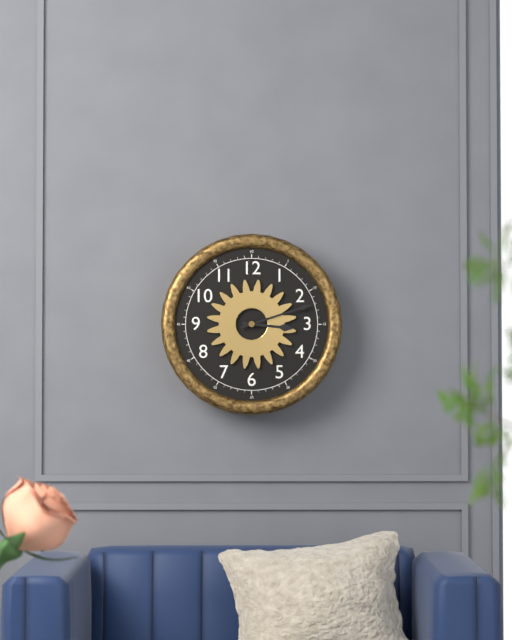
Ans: 3:12
